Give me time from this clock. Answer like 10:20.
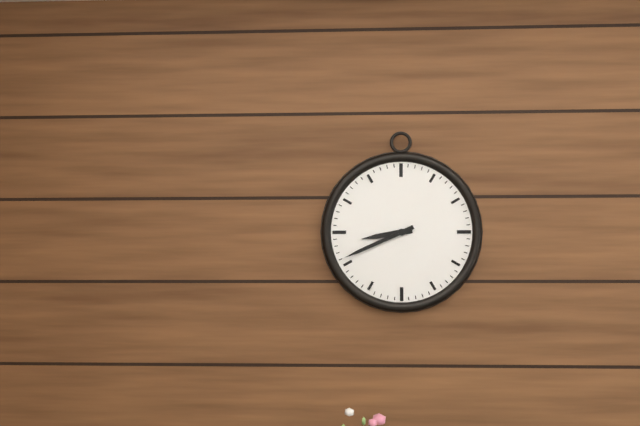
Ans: 8:41
